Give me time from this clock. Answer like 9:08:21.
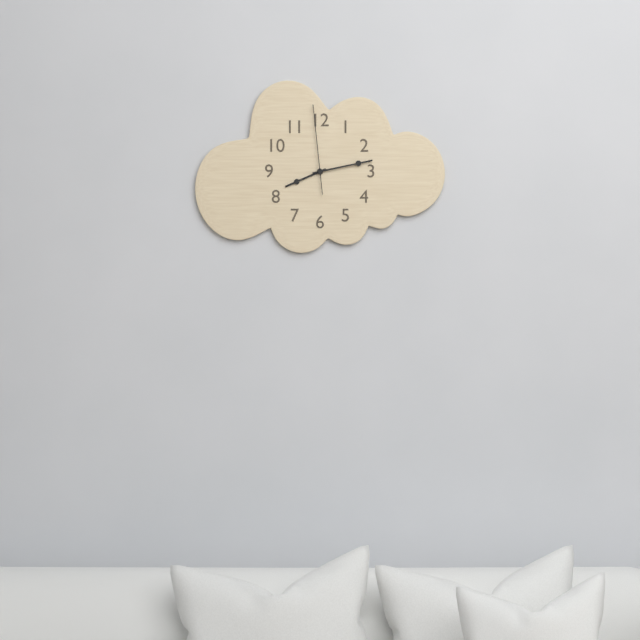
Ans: 8:13:59
